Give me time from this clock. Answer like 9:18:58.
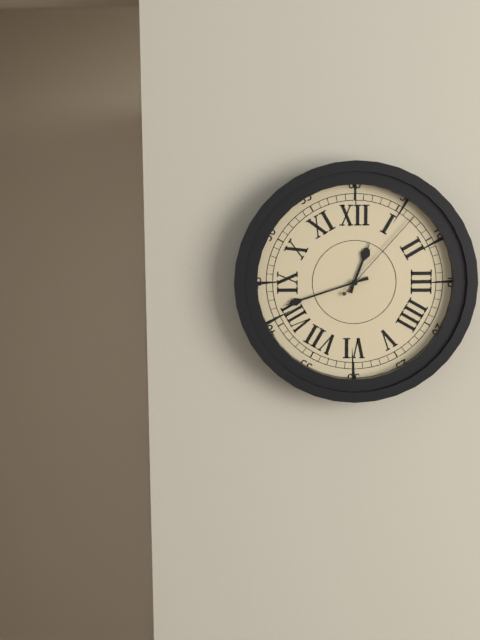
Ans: 12:42:07
